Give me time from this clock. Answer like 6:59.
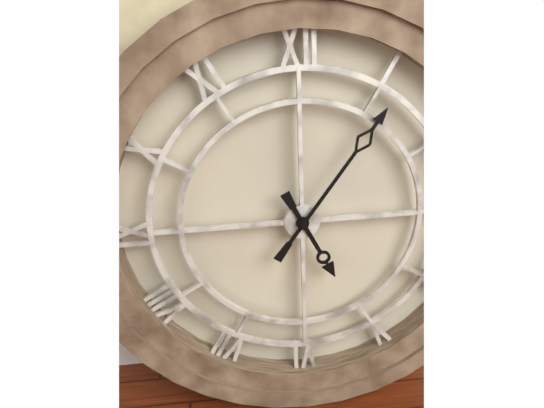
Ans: 5:06
